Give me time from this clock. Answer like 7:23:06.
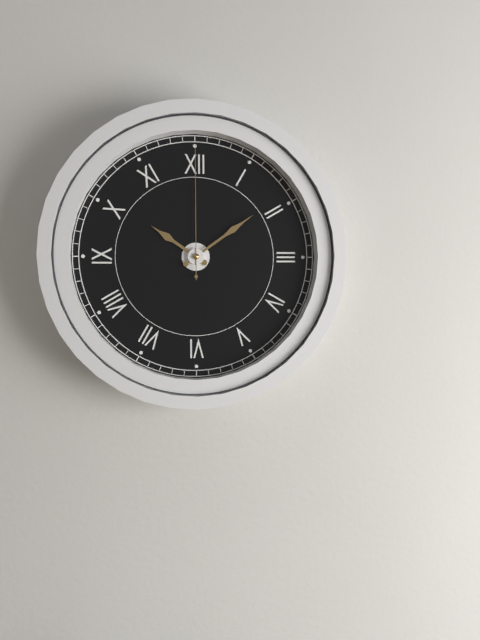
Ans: 10:09:00
